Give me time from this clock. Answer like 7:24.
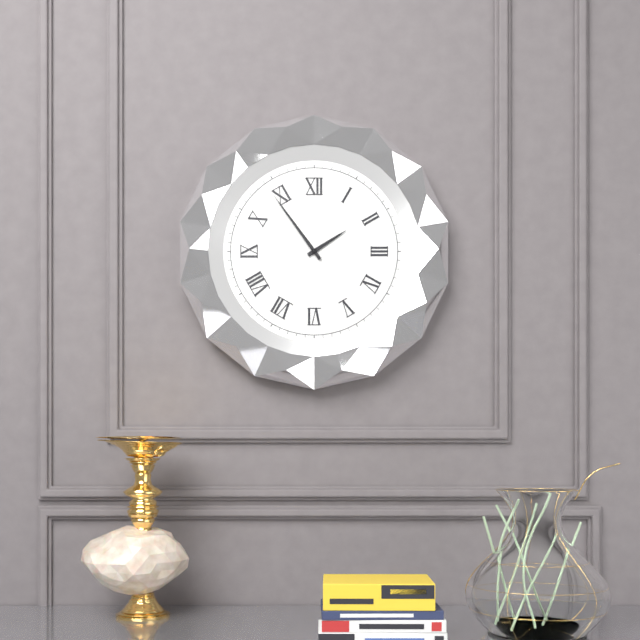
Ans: 1:54
